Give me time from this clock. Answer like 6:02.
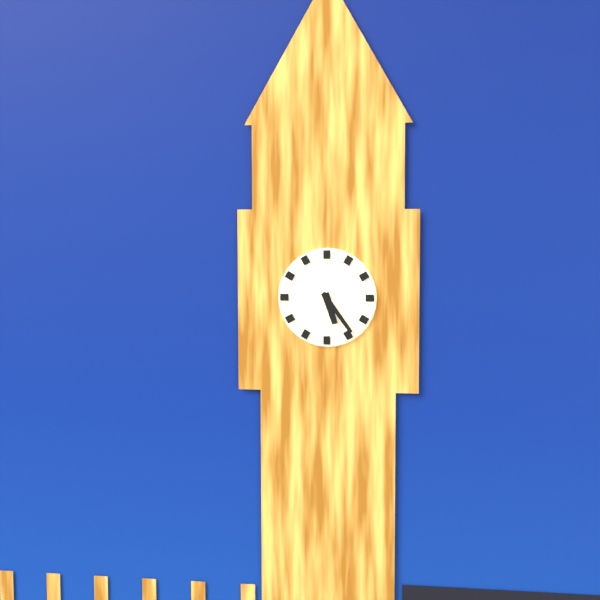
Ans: 5:24
